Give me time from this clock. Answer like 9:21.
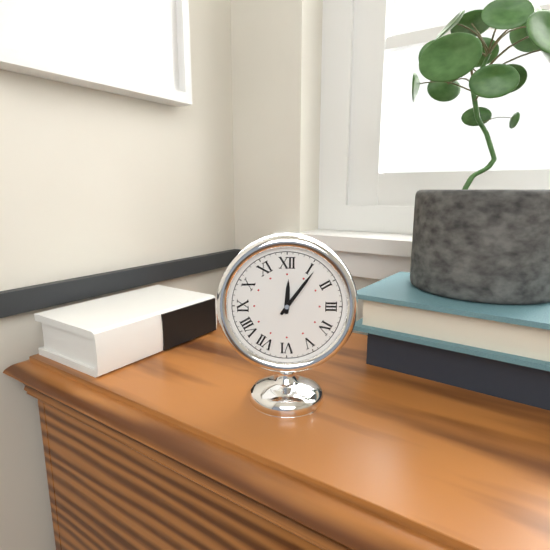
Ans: 12:06
